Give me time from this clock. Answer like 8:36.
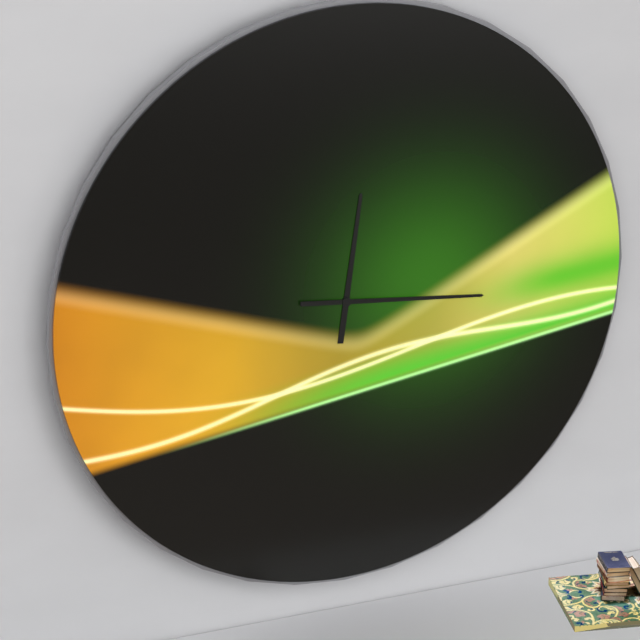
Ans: 12:16
